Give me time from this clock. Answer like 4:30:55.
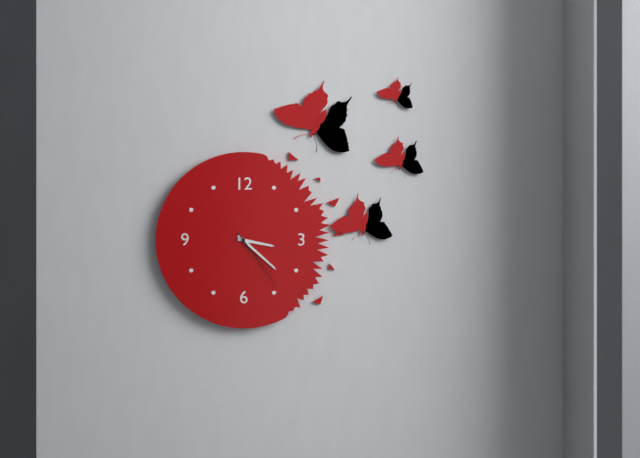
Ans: 3:22:24
